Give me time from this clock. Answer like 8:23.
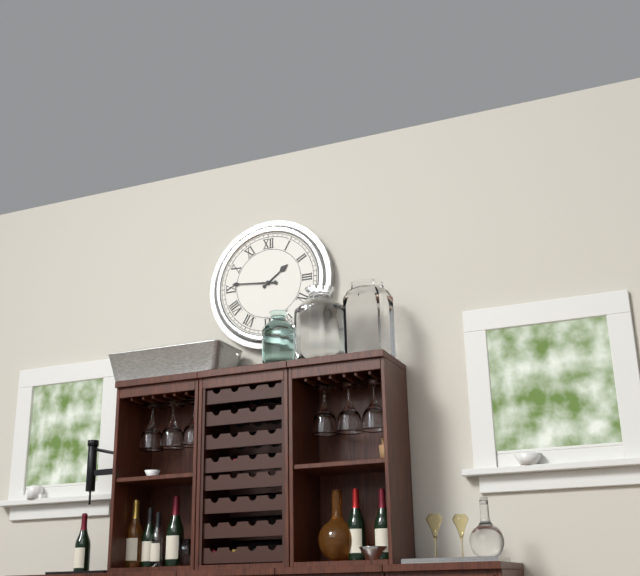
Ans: 1:46
